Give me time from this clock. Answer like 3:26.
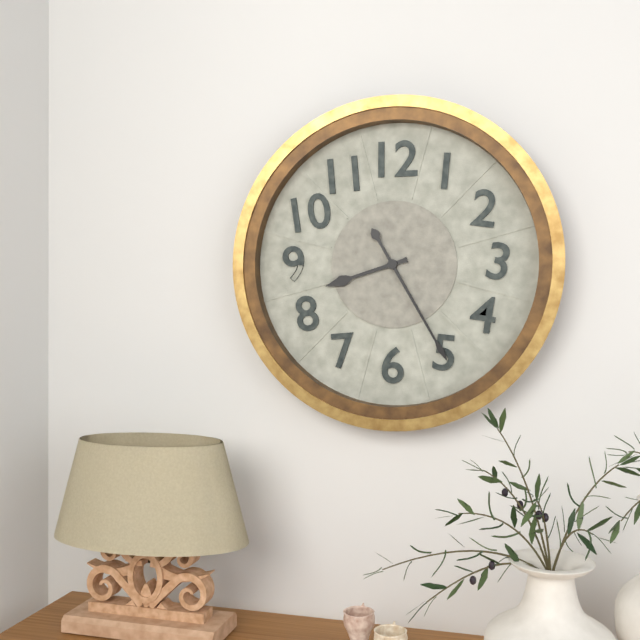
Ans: 8:25
